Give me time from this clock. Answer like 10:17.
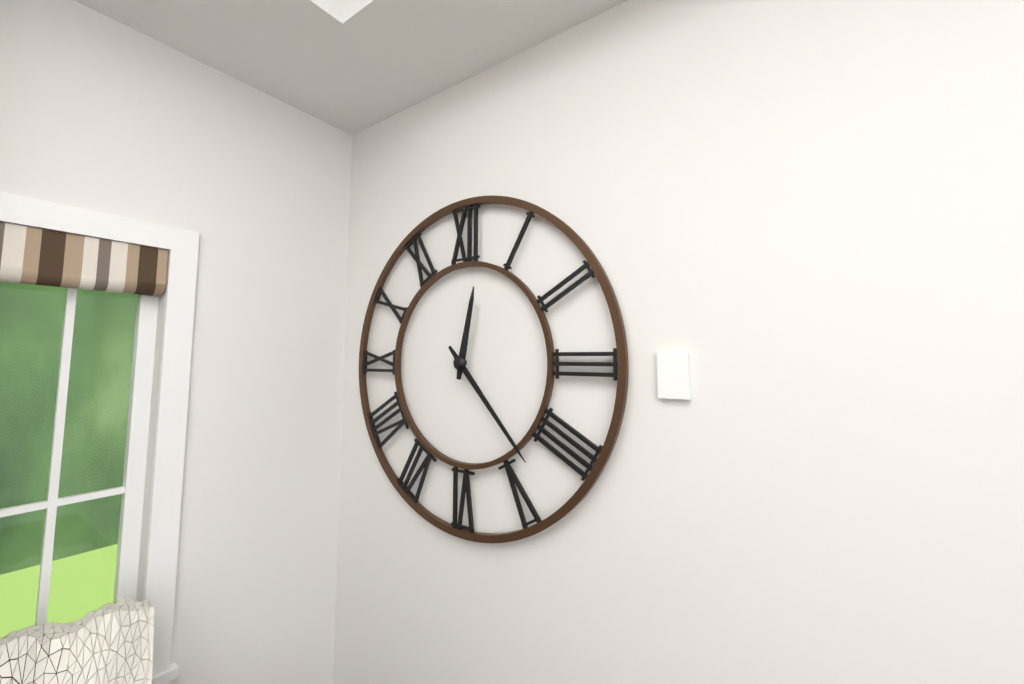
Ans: 12:23
